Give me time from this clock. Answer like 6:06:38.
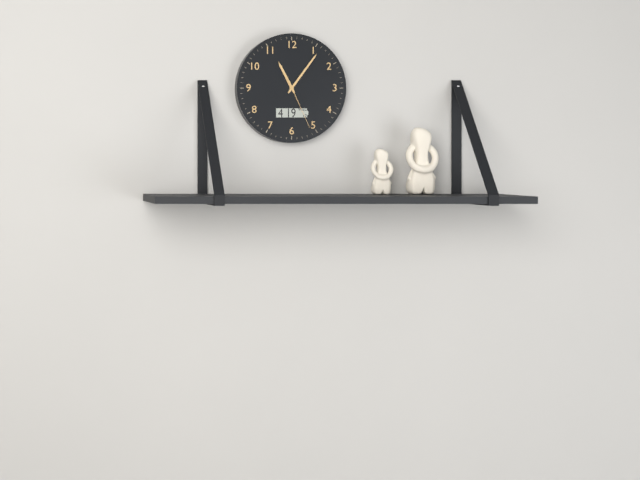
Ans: 11:06:26
